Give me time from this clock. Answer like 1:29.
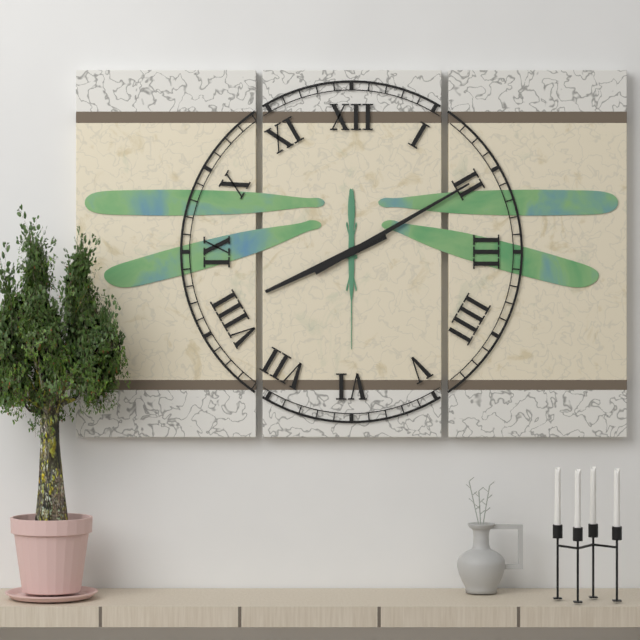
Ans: 8:10
